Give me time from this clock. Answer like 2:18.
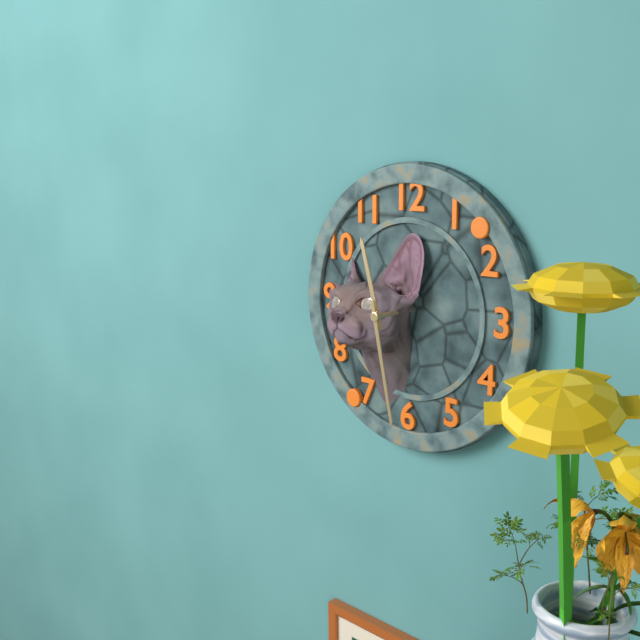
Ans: 11:28
